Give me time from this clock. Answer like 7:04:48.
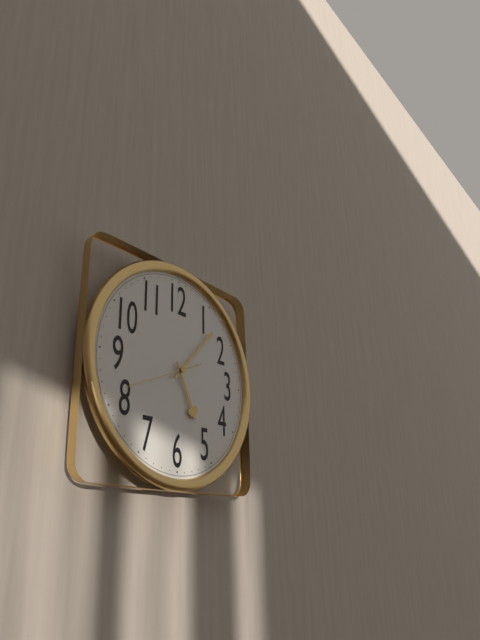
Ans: 5:07:41
